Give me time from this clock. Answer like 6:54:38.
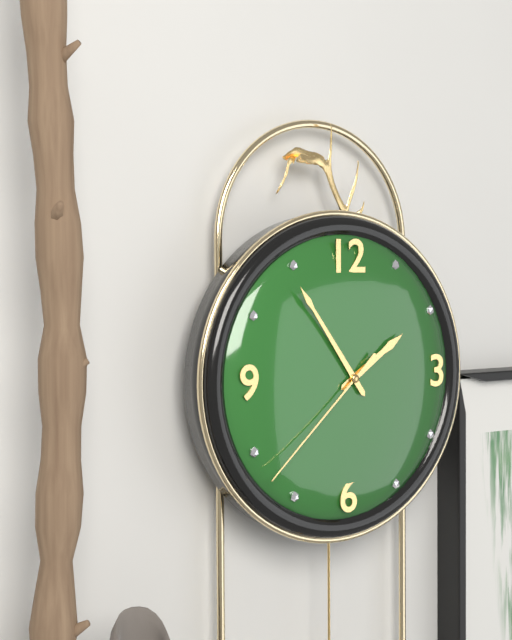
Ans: 1:54:38
